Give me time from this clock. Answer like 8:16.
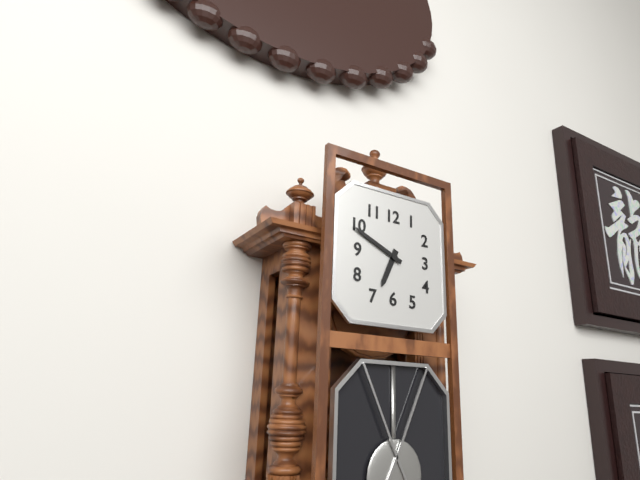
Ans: 6:49
